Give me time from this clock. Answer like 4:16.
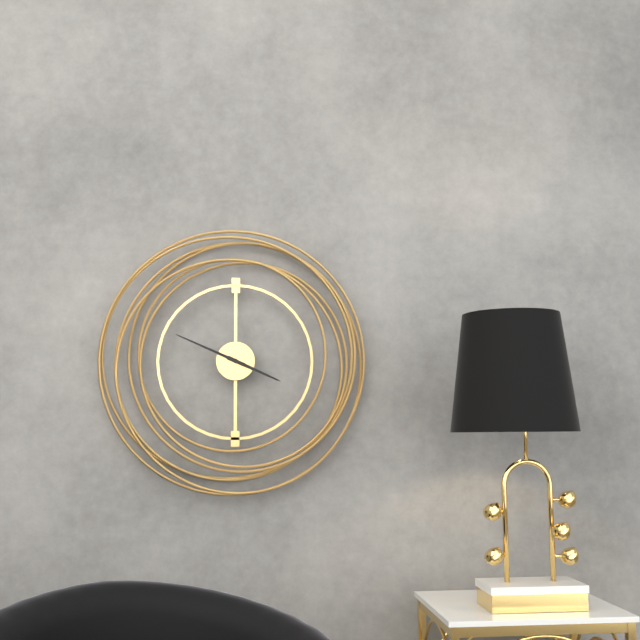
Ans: 3:49
